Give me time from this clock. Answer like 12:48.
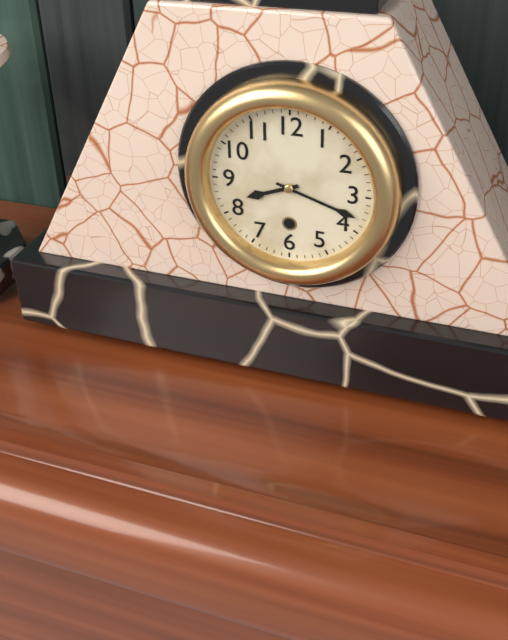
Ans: 8:18
